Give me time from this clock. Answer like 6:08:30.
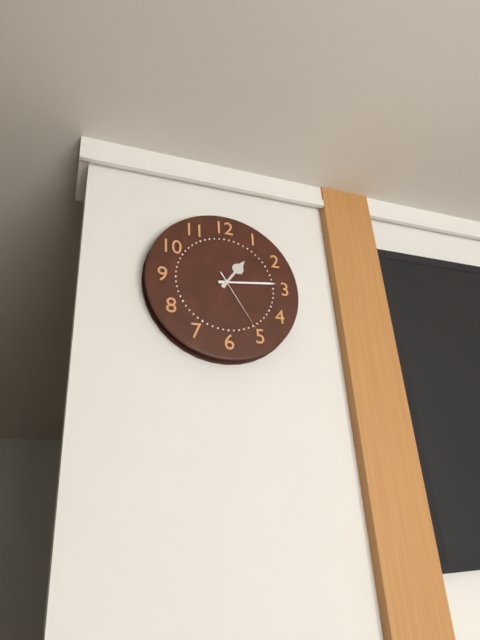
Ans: 1:14:25
